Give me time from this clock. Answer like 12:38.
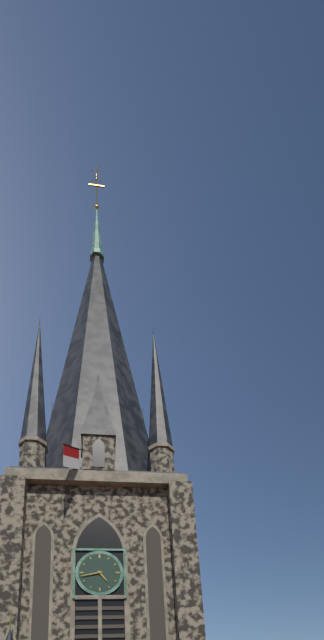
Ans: 4:43
